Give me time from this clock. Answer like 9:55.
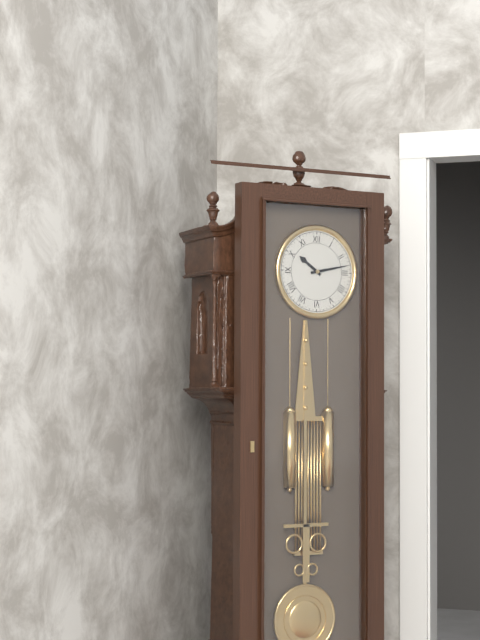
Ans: 10:13
